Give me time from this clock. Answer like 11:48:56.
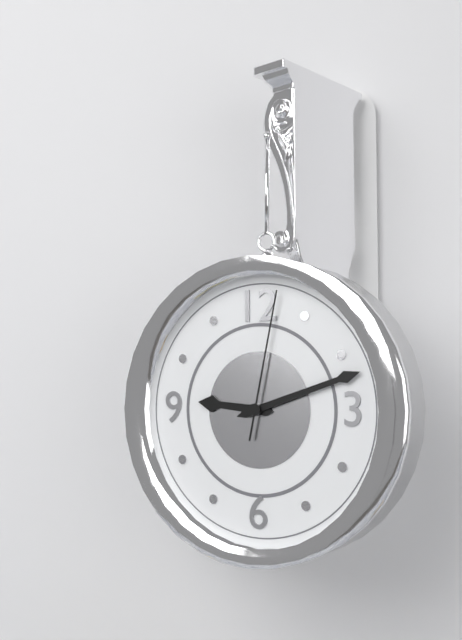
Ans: 9:12:02
